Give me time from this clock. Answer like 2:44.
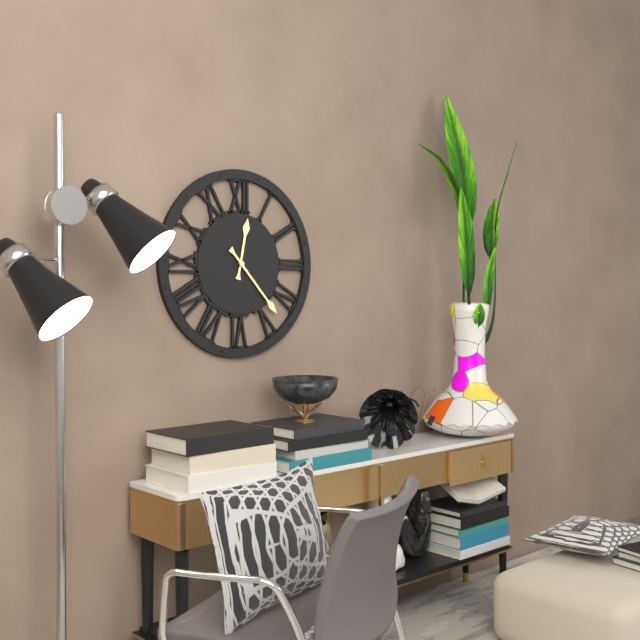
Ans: 12:23
